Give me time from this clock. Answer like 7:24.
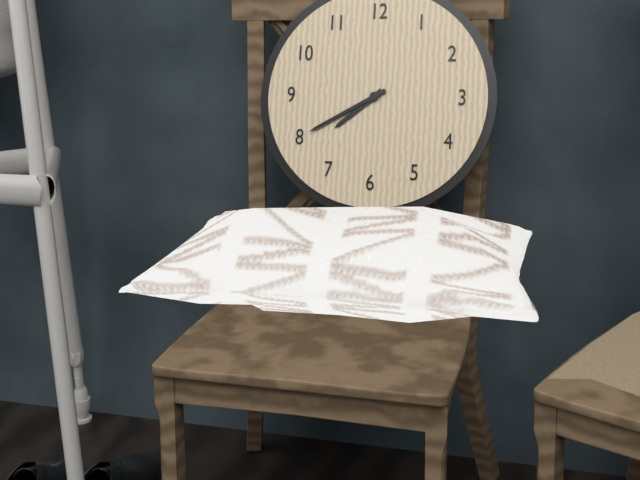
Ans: 7:40
